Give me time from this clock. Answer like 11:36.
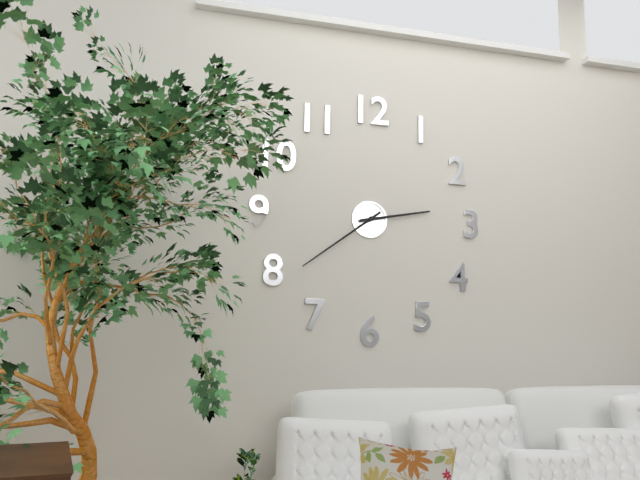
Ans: 2:39
